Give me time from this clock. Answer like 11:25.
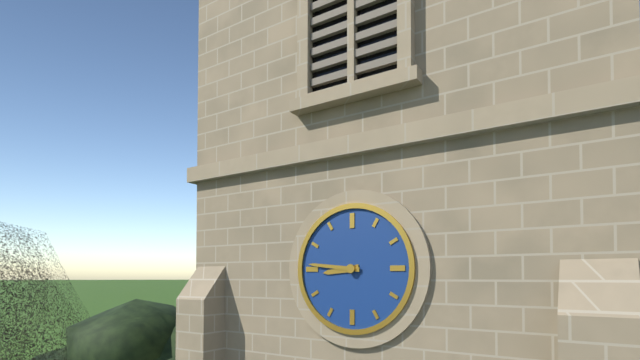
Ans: 8:46
